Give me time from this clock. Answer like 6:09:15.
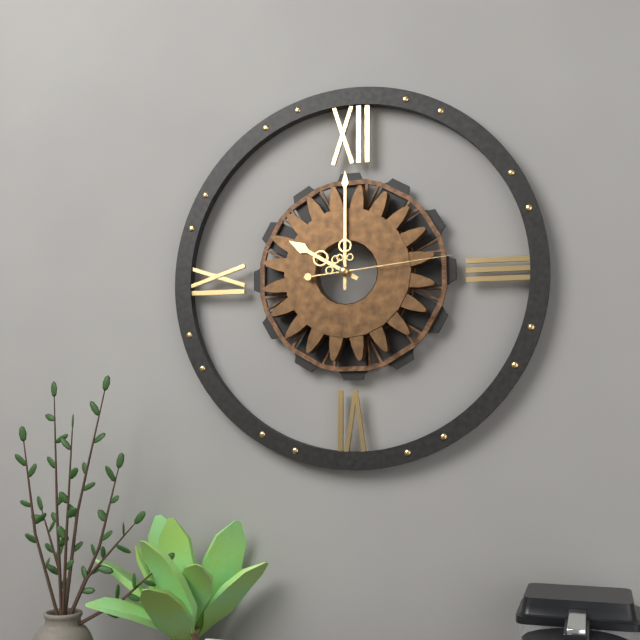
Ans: 10:00:14
